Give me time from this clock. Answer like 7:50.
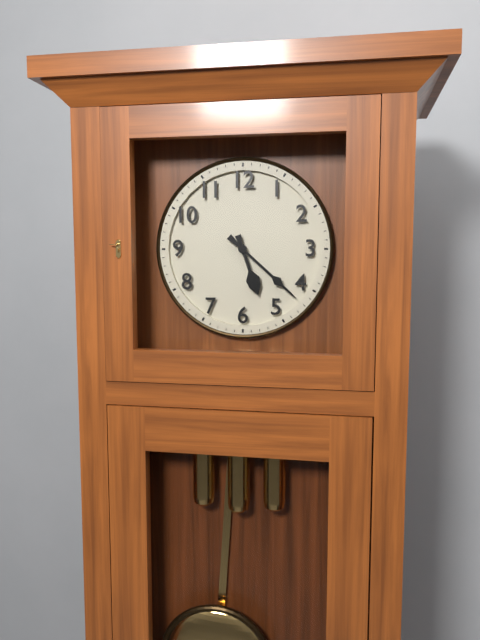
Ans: 5:22
